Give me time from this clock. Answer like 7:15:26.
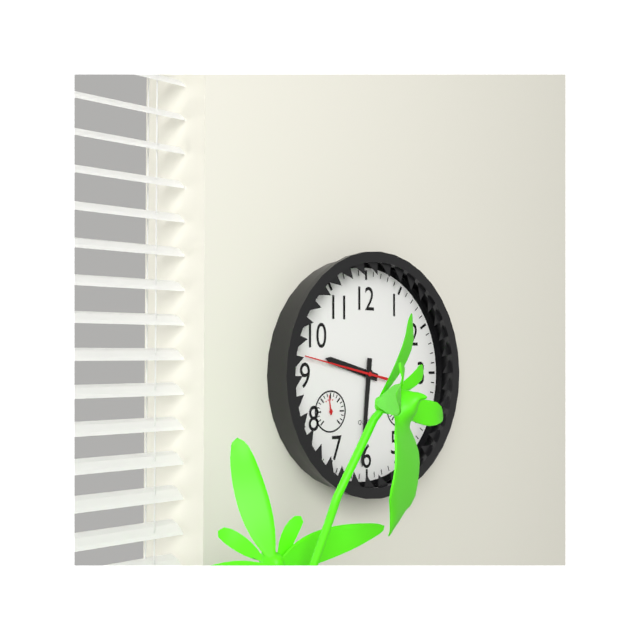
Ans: 9:31:47
